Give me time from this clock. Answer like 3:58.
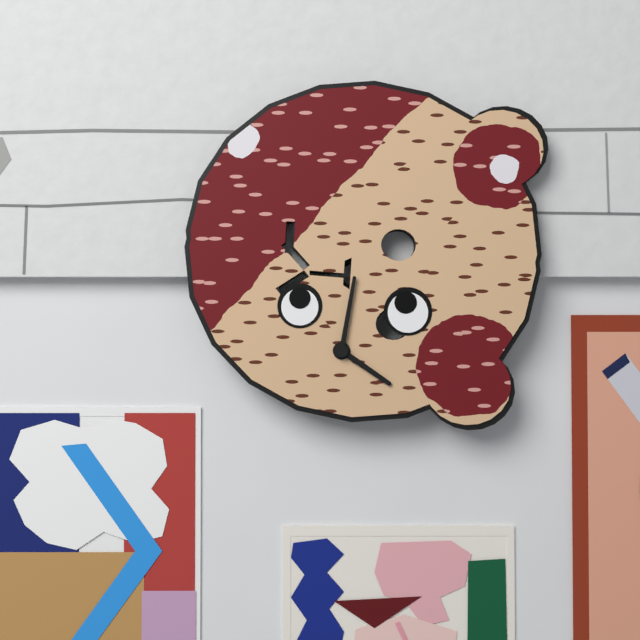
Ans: 4:01
